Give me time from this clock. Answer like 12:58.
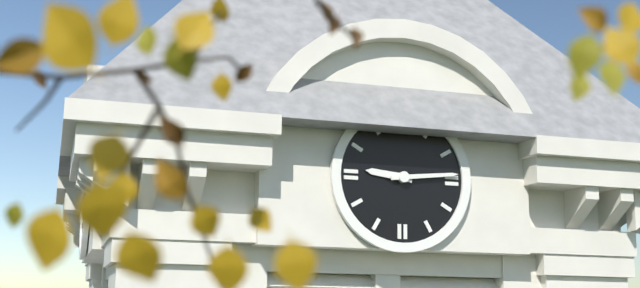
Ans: 9:14
